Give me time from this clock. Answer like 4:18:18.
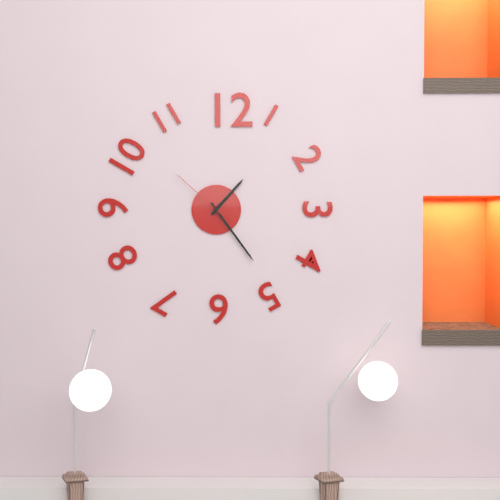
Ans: 1:24:52
